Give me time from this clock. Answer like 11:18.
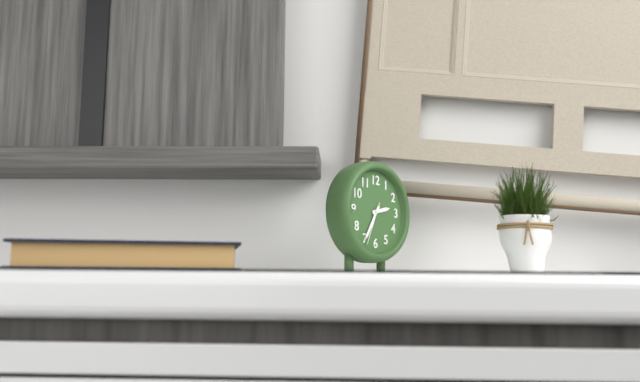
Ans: 2:35
